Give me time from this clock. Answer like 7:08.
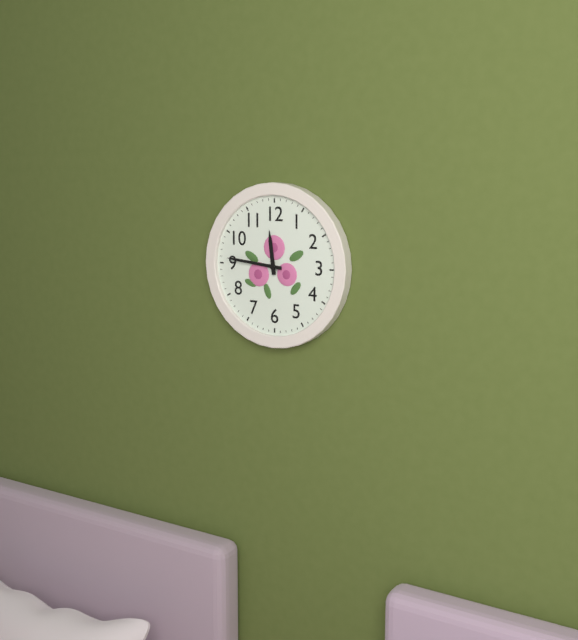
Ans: 11:46
